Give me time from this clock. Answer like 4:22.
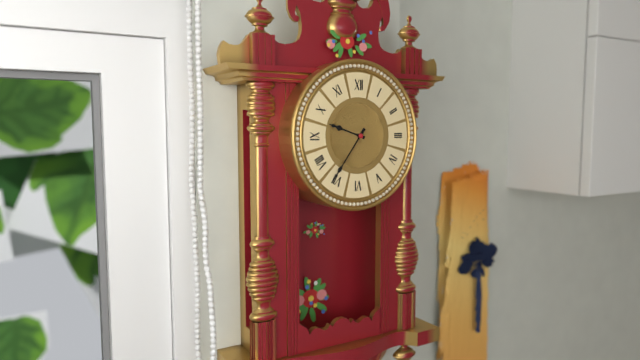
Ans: 9:36
